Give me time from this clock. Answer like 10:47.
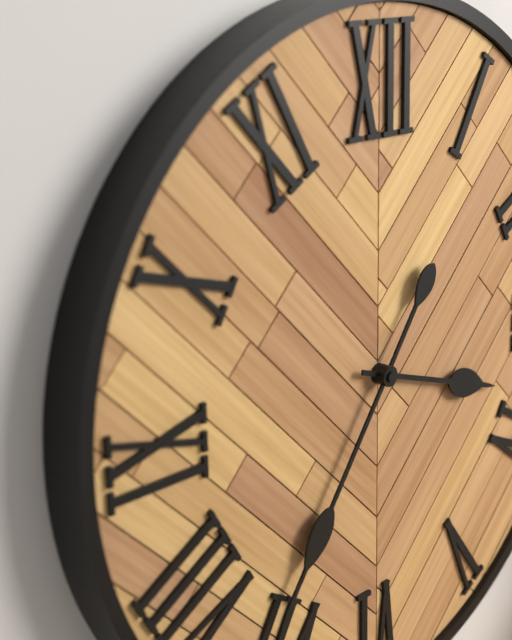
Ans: 3:36
